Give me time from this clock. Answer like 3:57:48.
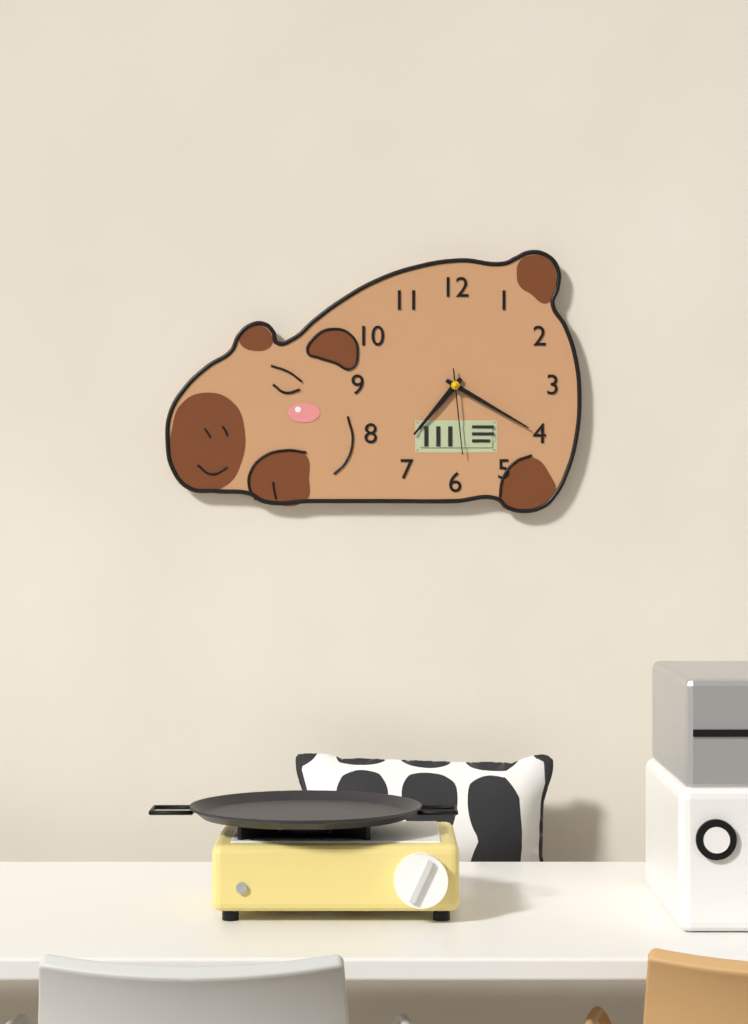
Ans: 7:20:29
